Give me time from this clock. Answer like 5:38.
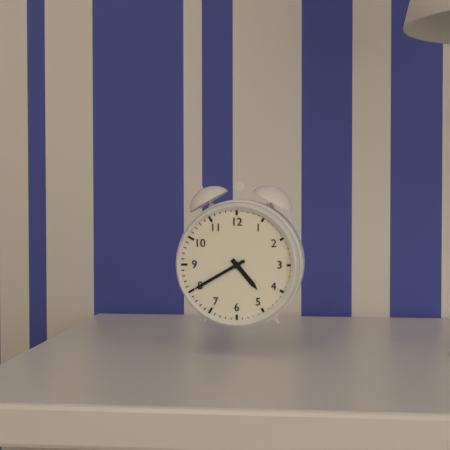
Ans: 4:40
